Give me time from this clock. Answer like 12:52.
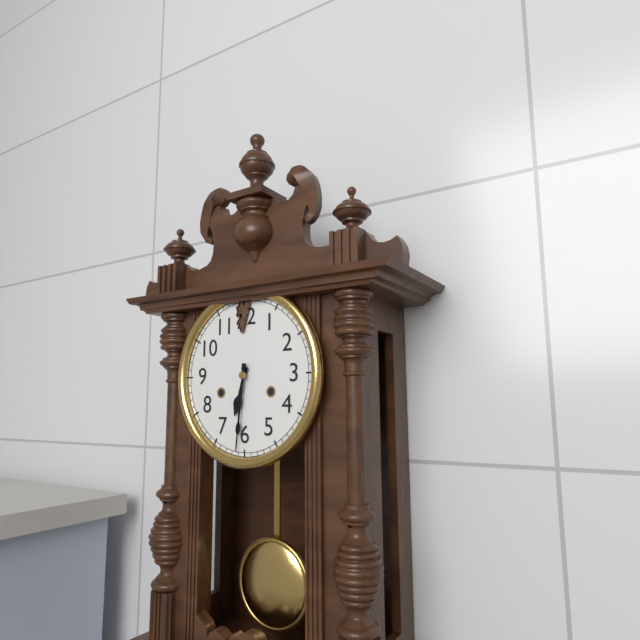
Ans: 6:31
